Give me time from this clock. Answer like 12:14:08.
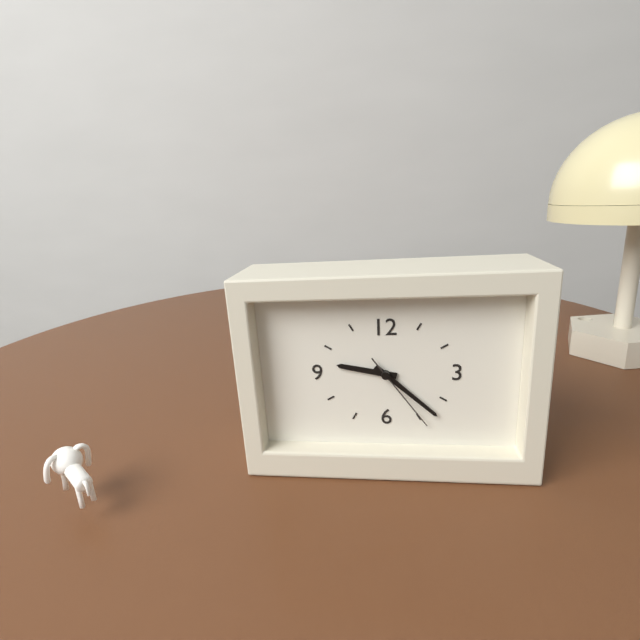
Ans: 9:22:24
